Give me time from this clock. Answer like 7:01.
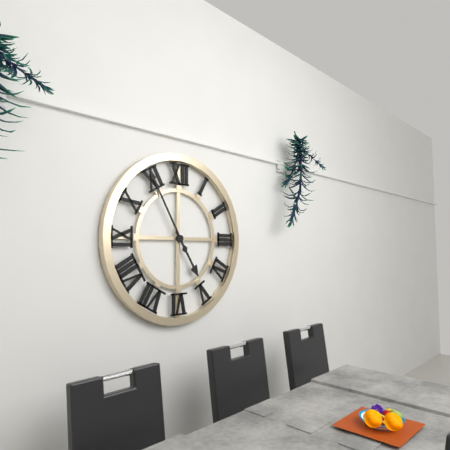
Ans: 4:55
